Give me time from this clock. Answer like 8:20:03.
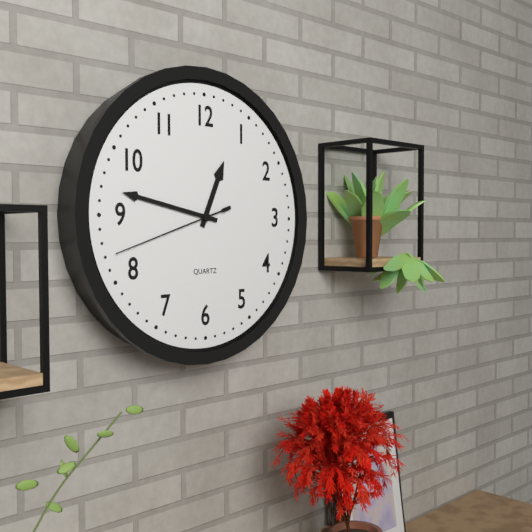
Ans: 12:47:42
